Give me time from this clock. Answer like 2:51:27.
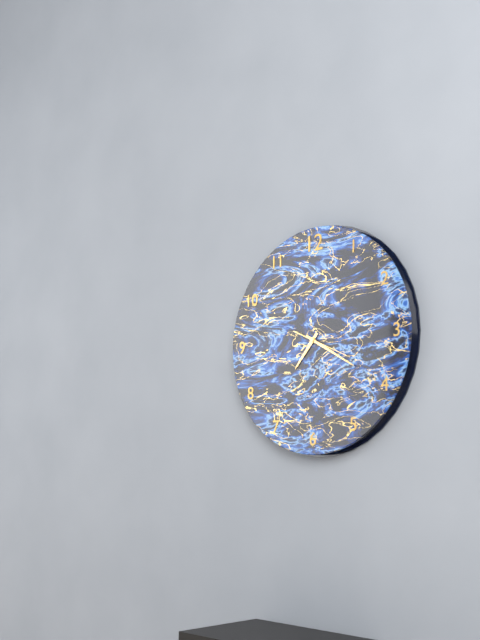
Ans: 7:20:19
